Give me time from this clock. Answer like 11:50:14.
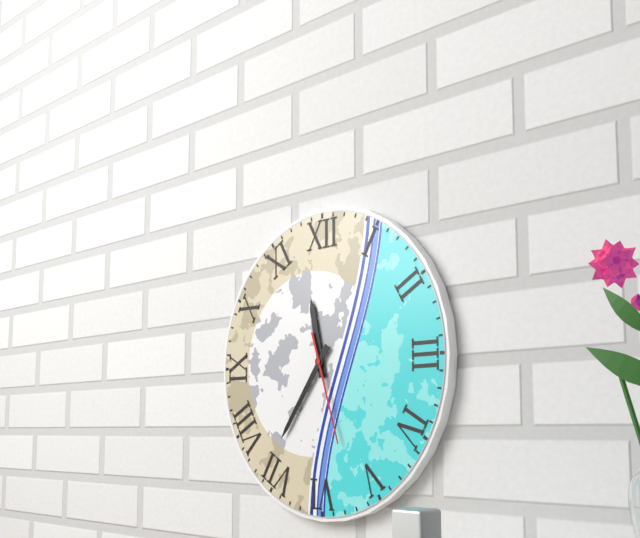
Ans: 11:36:27
